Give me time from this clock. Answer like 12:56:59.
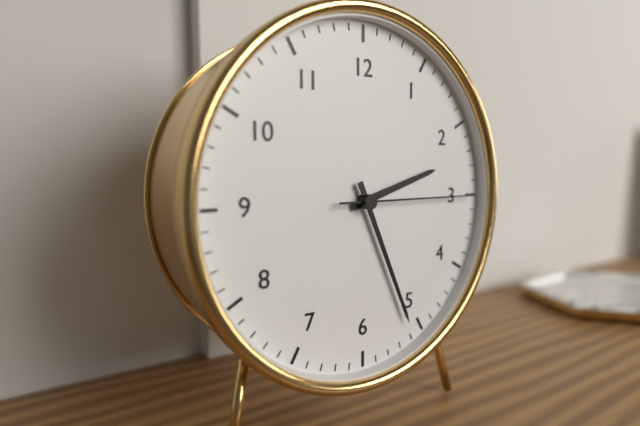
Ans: 2:26:15
